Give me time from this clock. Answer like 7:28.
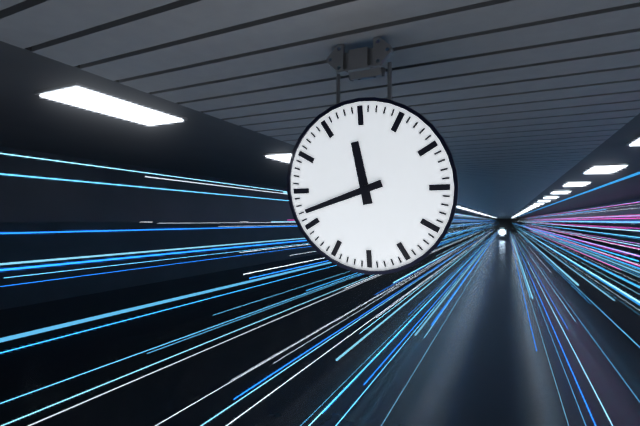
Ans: 11:42
